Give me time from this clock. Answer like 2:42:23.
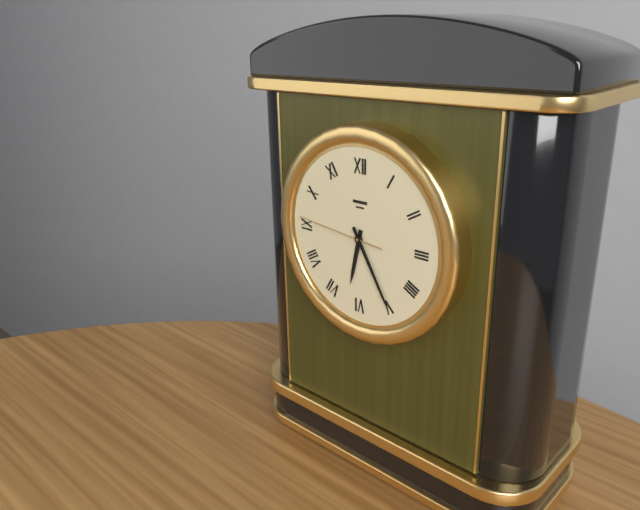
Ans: 6:25:46
